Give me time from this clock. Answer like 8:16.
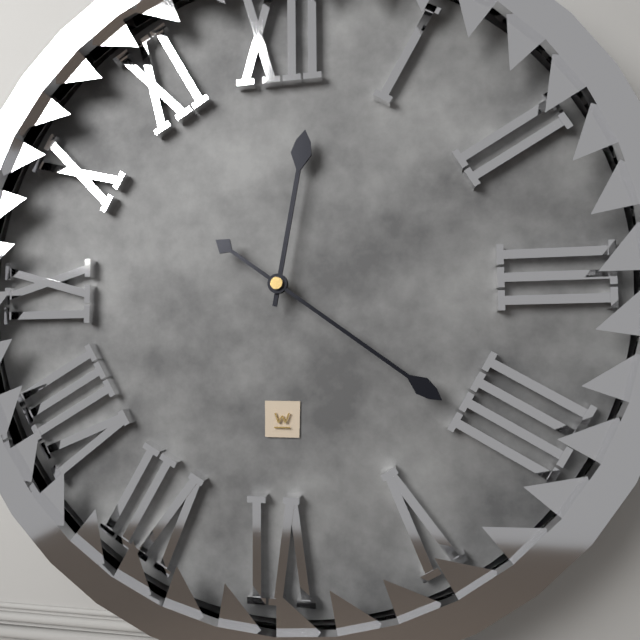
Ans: 12:21
